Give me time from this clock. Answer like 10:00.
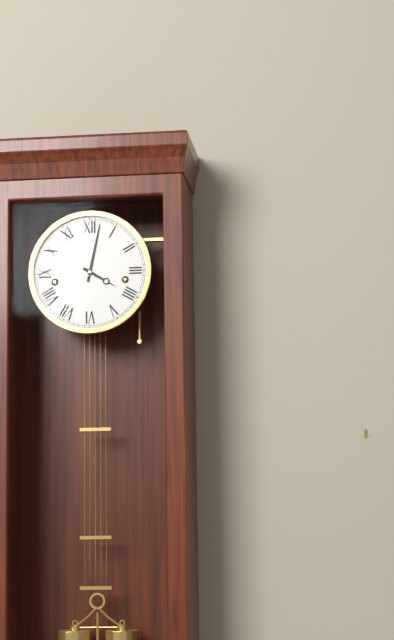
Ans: 4:02
